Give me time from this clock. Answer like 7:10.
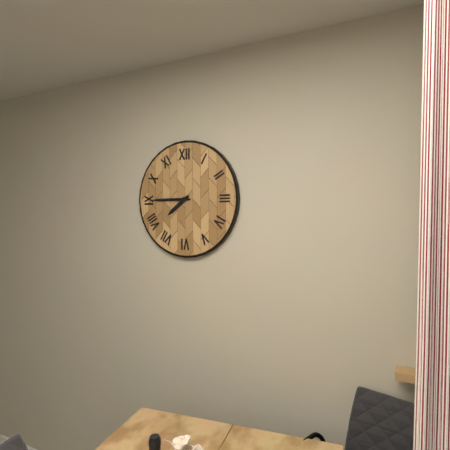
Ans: 7:45
